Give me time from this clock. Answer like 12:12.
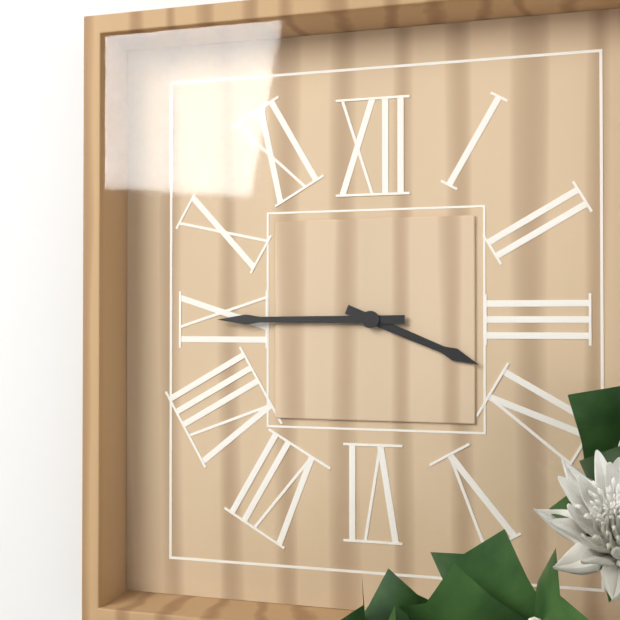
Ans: 3:45
